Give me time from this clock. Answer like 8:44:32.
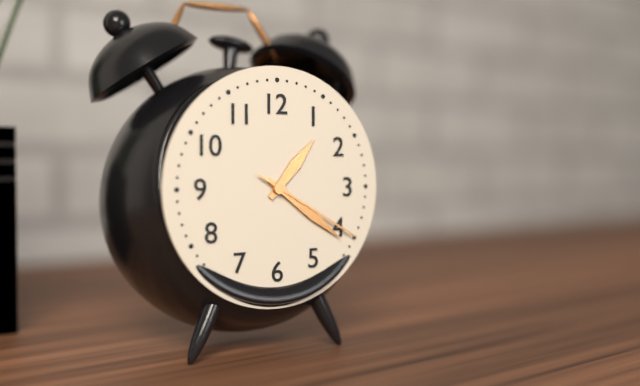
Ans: 1:21:20
